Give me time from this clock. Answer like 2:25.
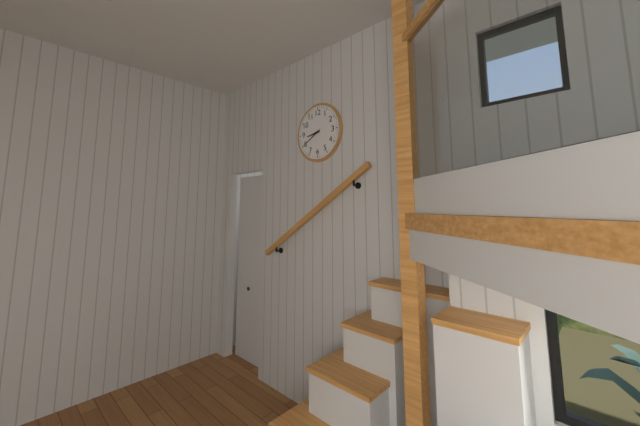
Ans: 8:40
